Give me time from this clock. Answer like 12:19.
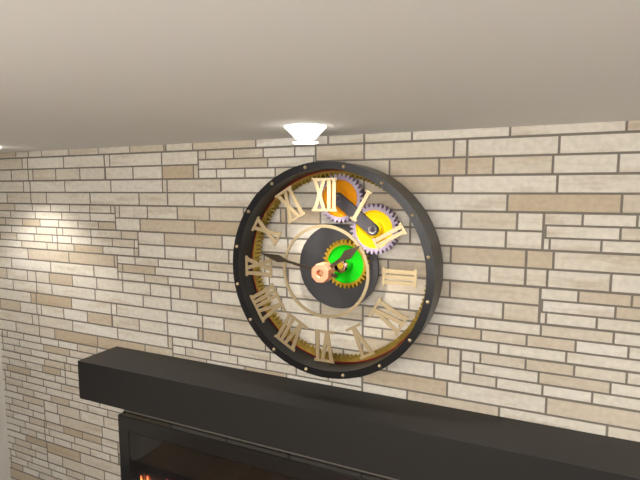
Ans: 1:47
